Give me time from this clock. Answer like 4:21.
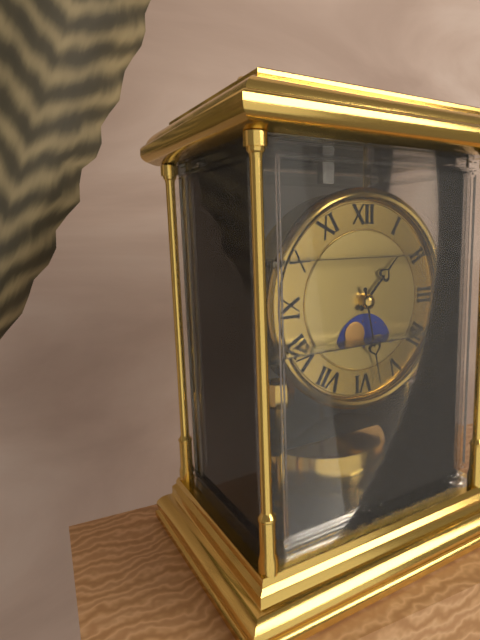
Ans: 1:28
